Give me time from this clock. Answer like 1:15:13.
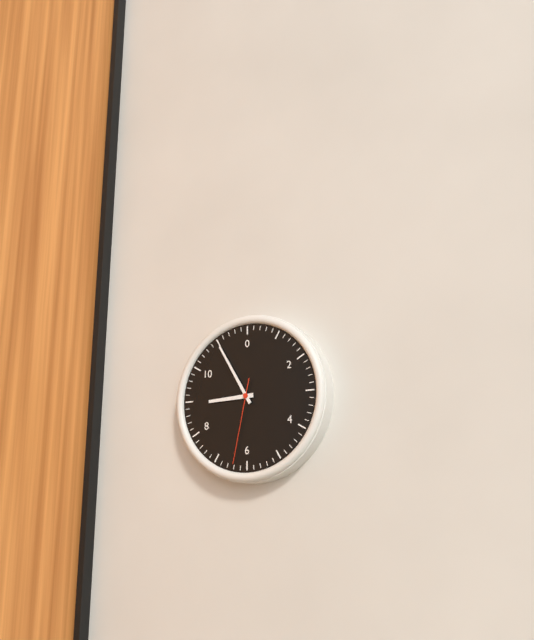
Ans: 8:55:32
